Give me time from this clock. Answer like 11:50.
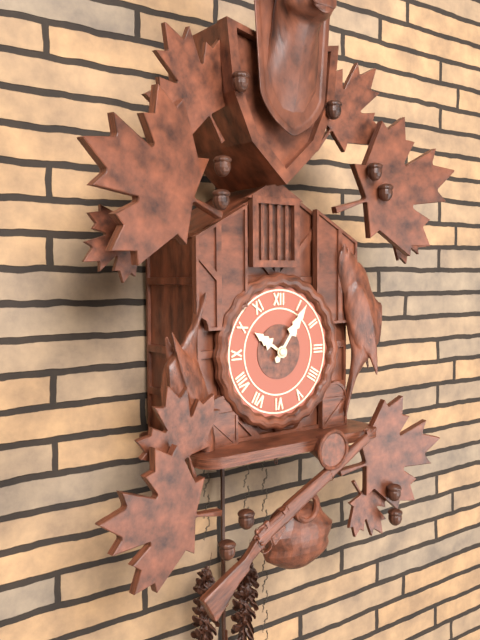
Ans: 10:06
